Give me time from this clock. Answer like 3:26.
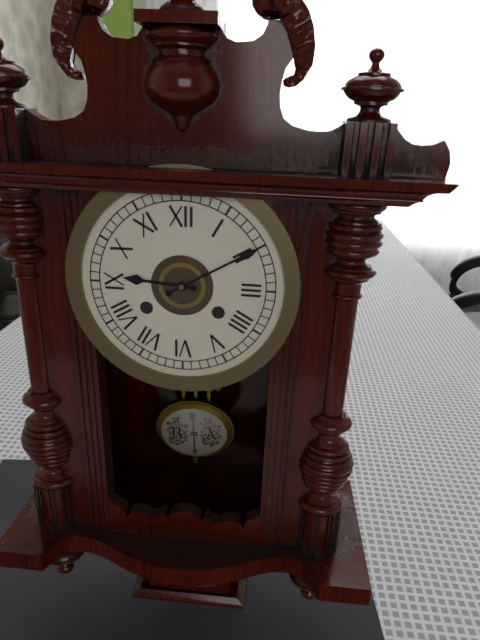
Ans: 9:10
